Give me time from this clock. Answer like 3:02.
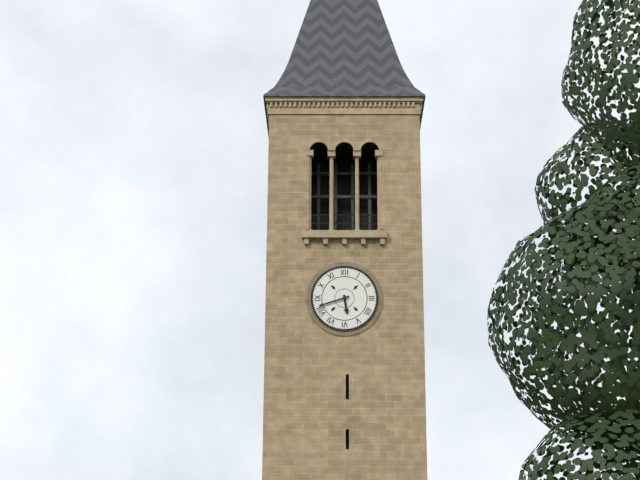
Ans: 5:42
